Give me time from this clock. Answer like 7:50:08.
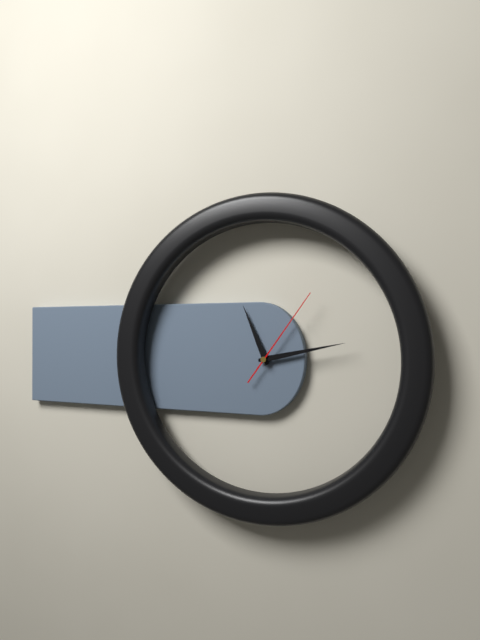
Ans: 11:13:06
